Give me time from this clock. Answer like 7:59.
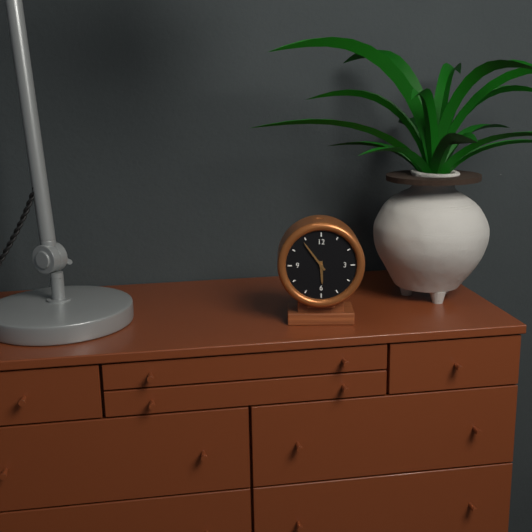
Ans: 5:54
